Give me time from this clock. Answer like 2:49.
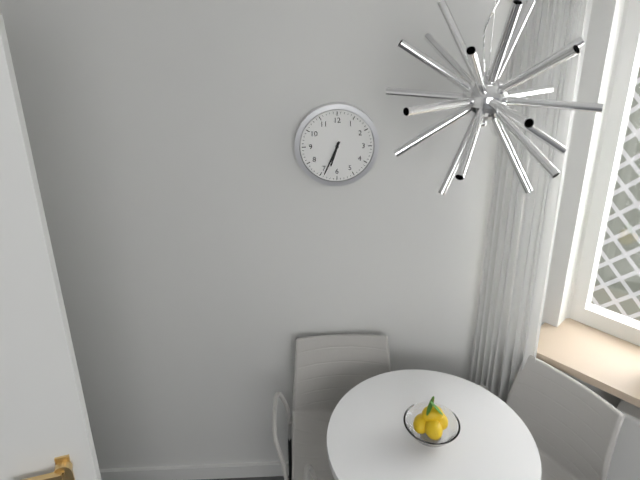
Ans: 6:34
